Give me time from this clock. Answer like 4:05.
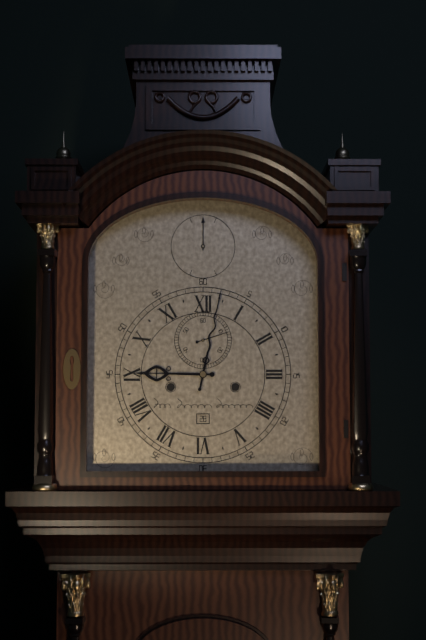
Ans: 9:02
